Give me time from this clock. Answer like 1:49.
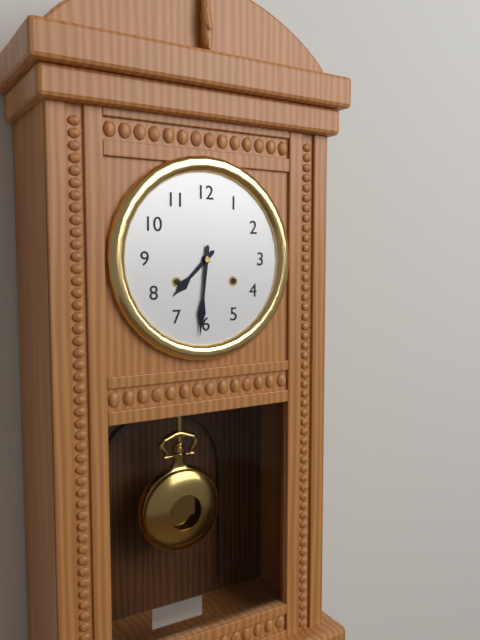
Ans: 7:31
